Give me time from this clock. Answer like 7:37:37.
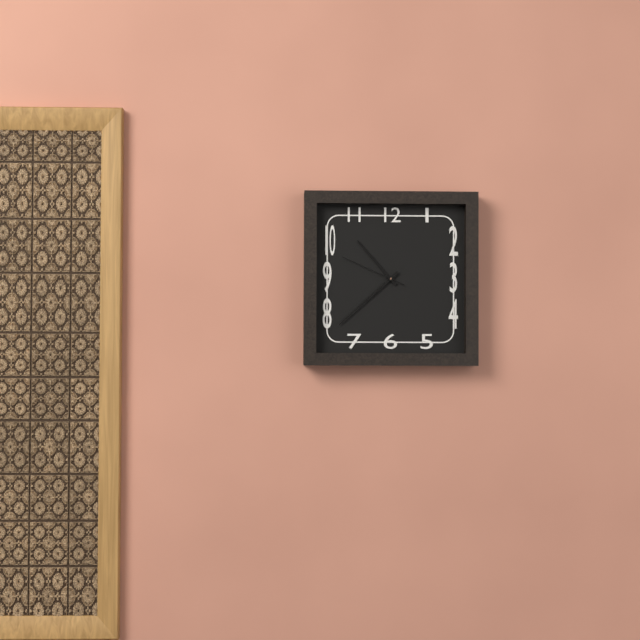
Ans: 10:38:49
